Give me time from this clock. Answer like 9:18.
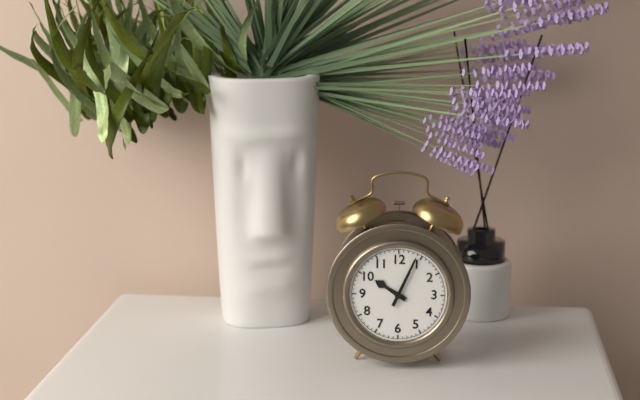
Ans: 10:04
